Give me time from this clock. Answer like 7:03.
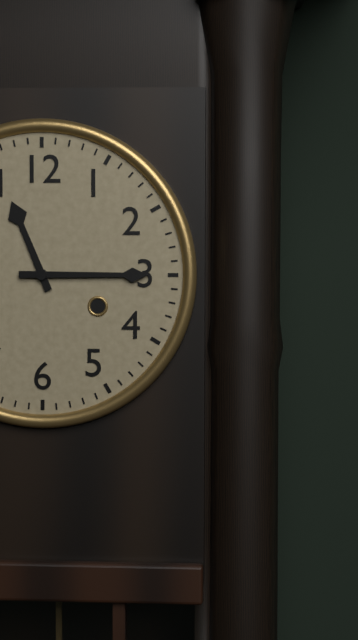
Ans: 11:15
